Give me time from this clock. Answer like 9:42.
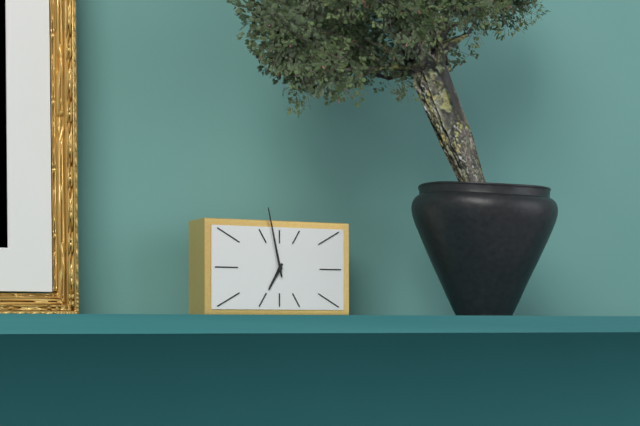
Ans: 6:58
